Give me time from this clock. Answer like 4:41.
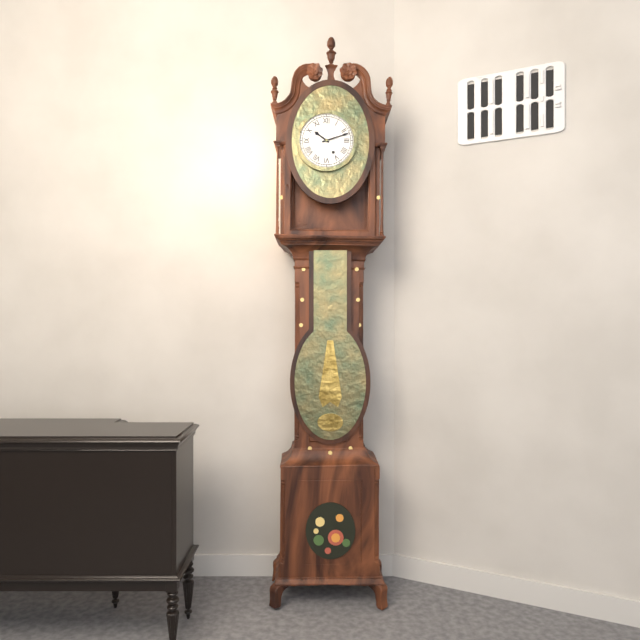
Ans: 10:12
